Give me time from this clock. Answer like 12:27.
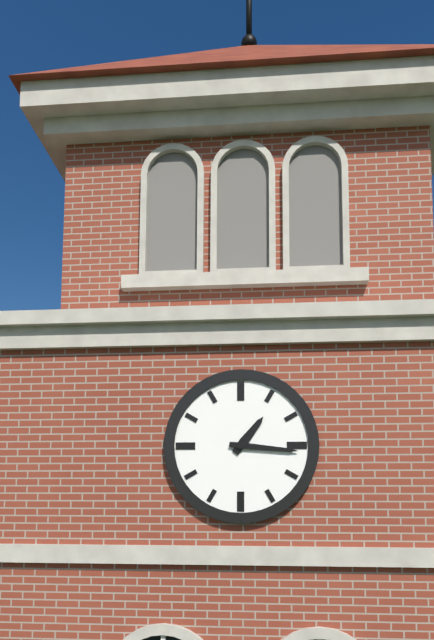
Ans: 1:16
